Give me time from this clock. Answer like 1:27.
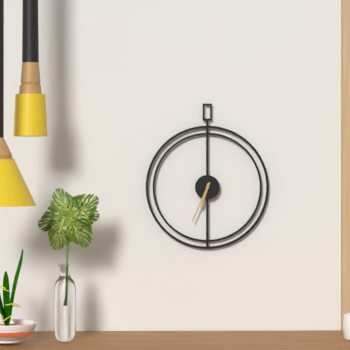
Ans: 6:34
